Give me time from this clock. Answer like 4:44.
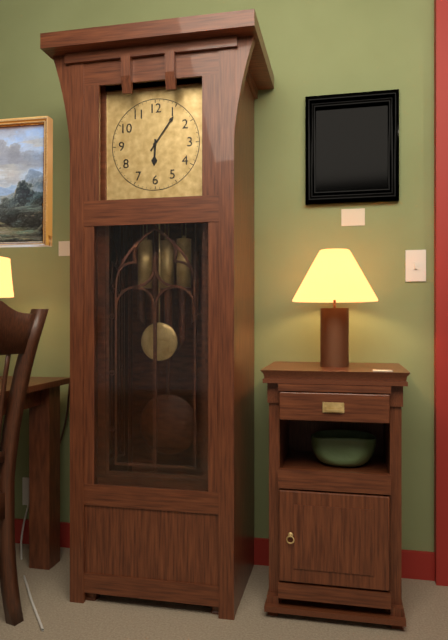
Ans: 6:06
